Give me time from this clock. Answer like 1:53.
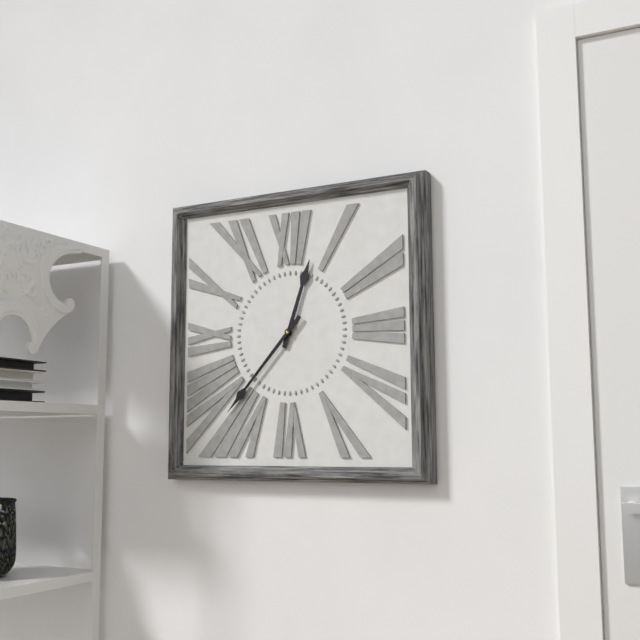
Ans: 12:37
